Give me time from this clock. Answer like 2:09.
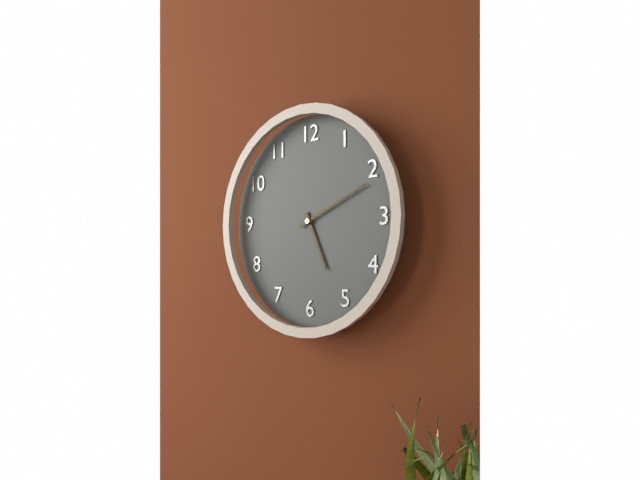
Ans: 5:11
